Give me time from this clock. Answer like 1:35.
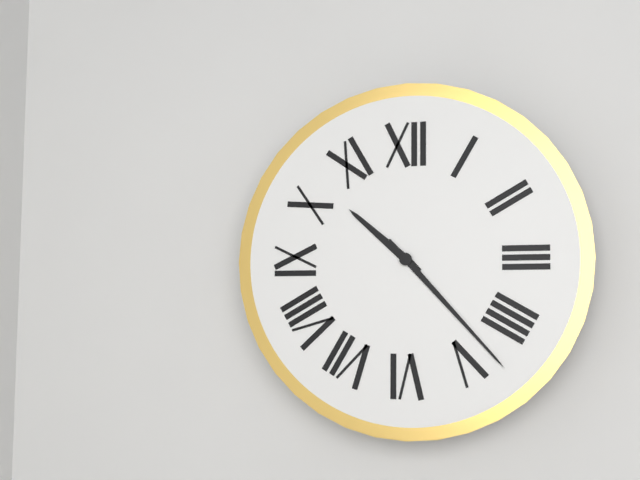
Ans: 10:23
